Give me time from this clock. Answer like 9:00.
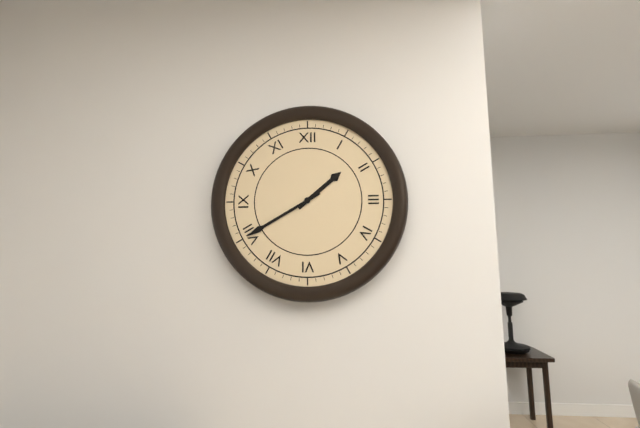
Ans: 1:40
